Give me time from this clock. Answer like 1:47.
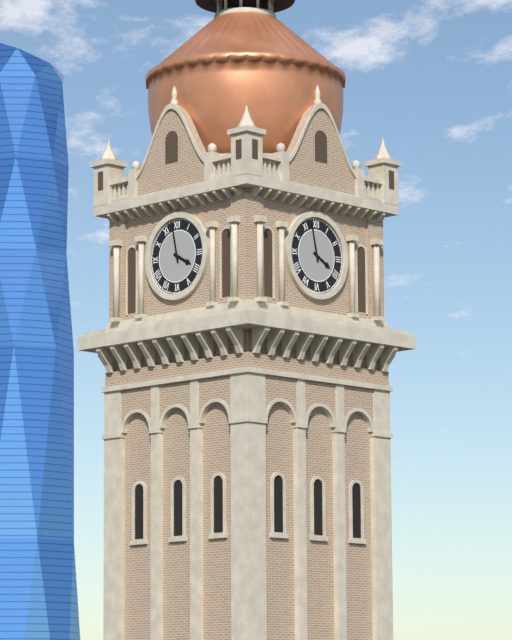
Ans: 3:58
